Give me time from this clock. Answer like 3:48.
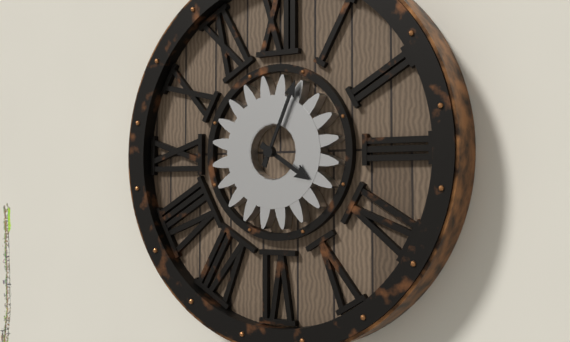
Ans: 4:04
